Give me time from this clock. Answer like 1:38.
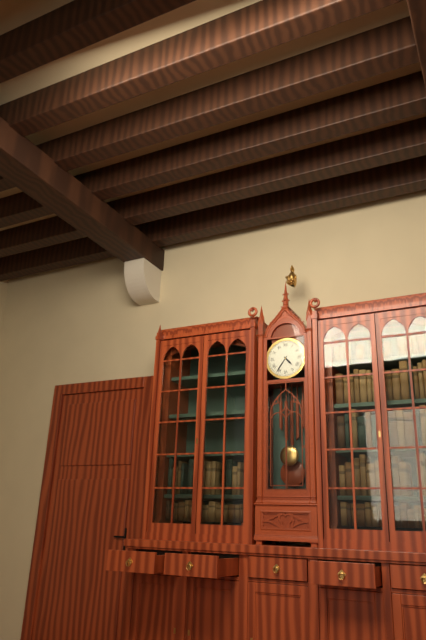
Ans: 4:36
